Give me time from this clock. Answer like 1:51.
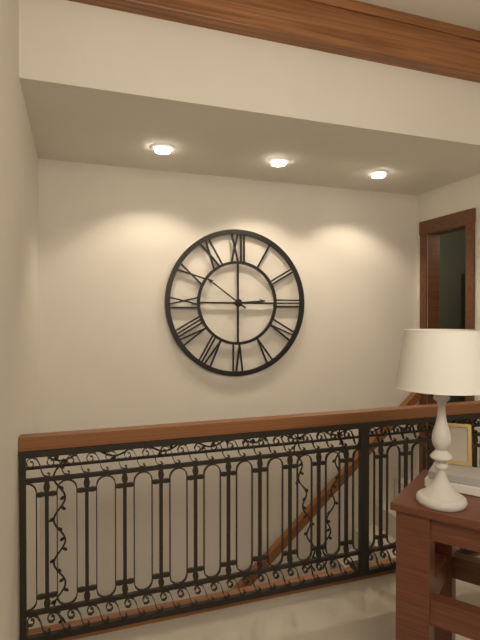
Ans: 2:51
